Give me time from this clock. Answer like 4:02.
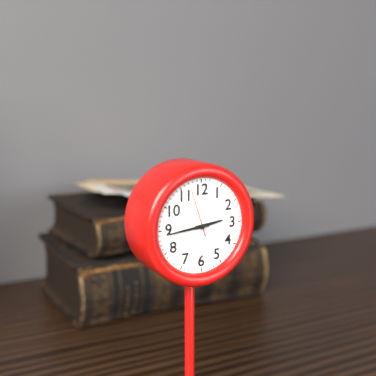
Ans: 2:44
